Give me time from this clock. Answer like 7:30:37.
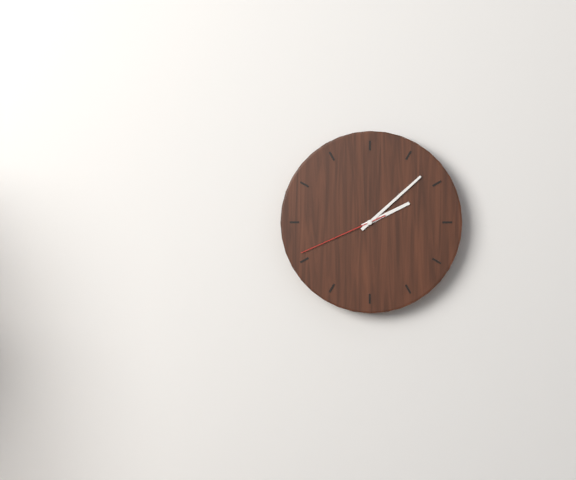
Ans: 2:08:41
